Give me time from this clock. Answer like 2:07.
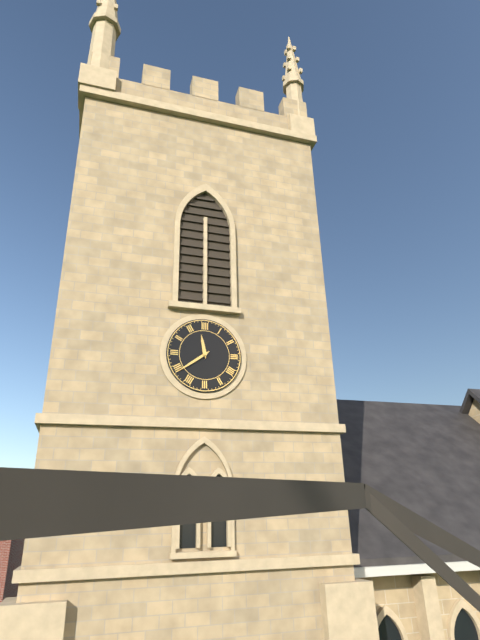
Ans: 11:39
